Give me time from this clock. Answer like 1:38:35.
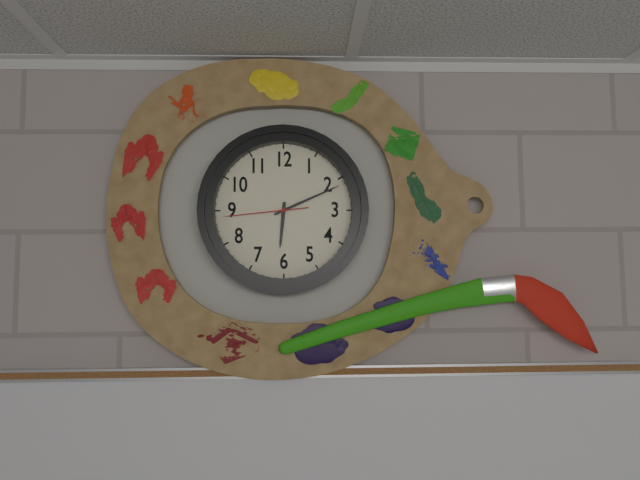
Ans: 6:11:44
